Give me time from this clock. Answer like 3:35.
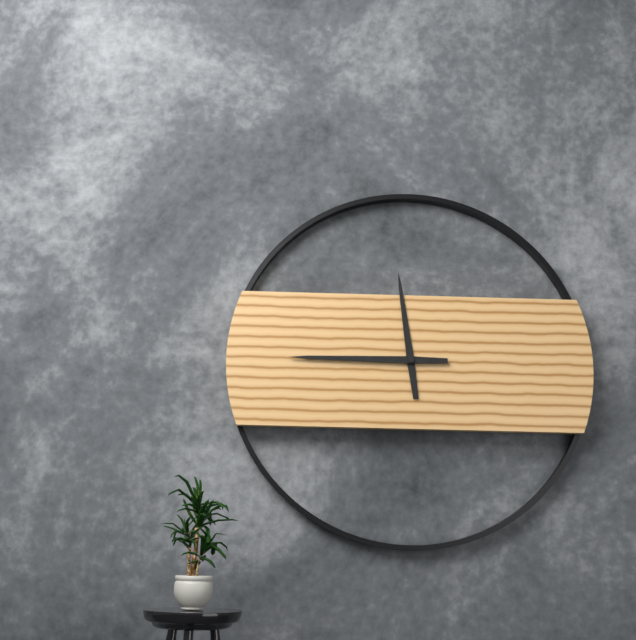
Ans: 11:45
